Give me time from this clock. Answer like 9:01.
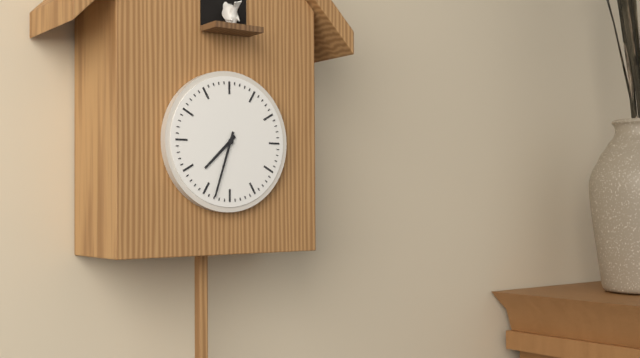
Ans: 7:33
